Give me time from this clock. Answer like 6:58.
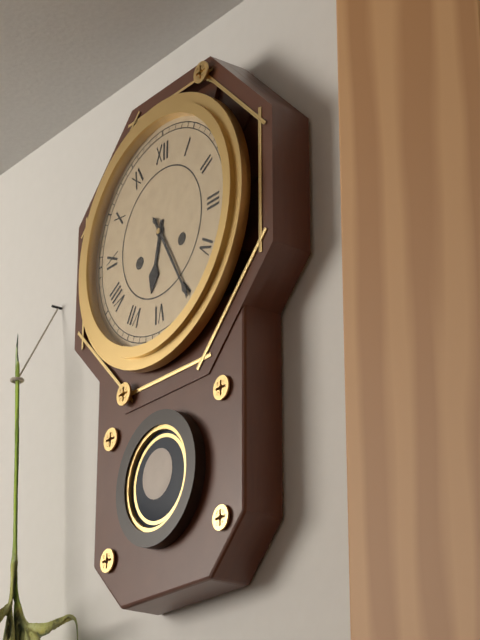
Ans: 6:25
